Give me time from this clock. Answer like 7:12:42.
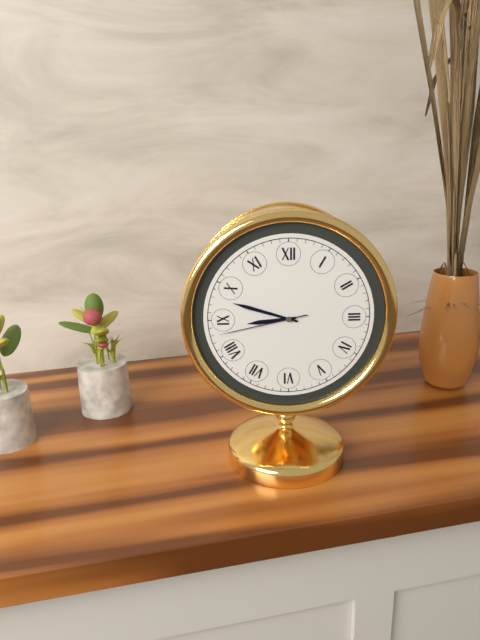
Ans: 8:48:43
